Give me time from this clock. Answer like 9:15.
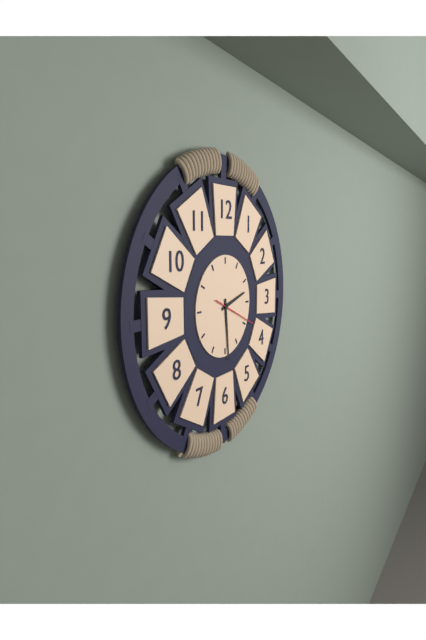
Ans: 2:29
